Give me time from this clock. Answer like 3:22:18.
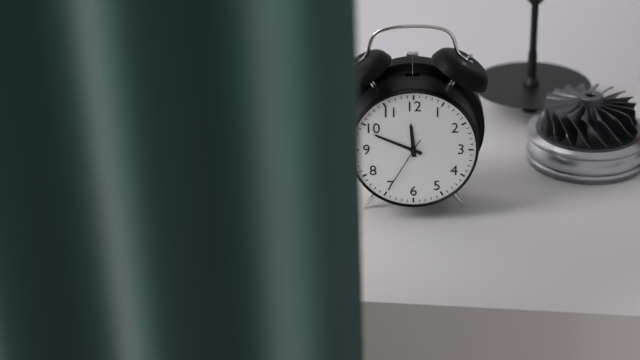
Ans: 11:49:35
